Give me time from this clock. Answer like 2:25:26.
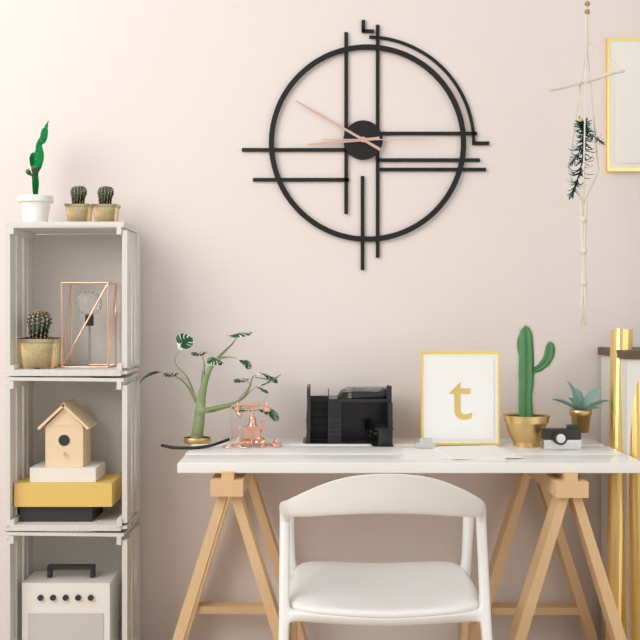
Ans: 8:50:15
